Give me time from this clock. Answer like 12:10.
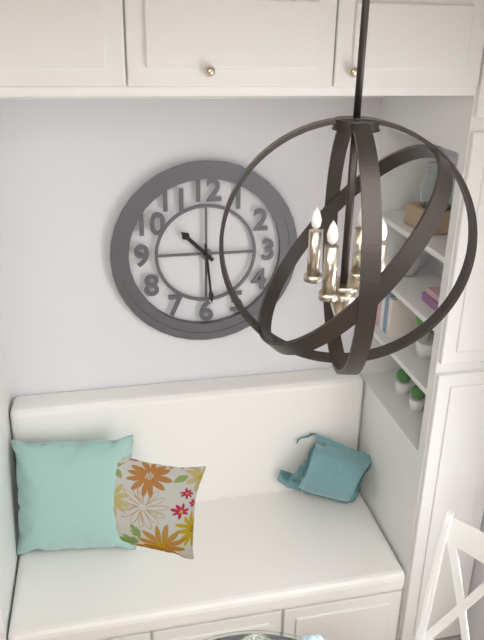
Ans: 10:29
